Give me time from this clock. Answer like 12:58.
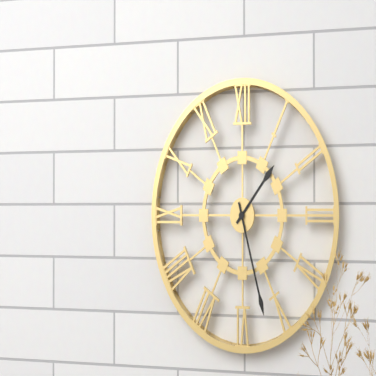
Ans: 1:27
